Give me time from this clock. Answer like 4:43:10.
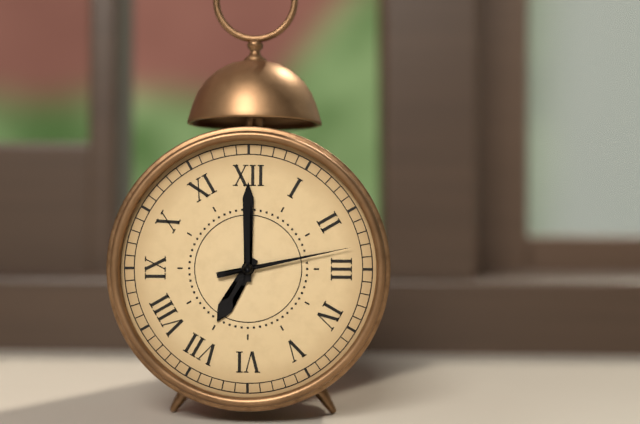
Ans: 7:00:13
